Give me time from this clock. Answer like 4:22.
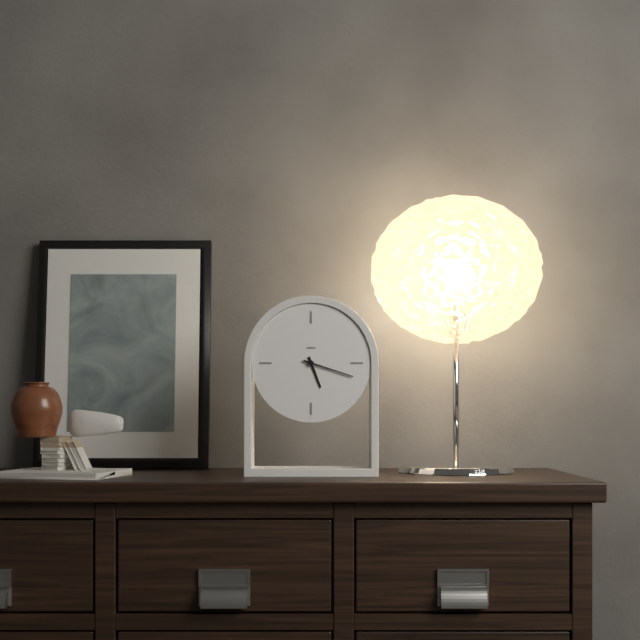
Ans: 5:18
